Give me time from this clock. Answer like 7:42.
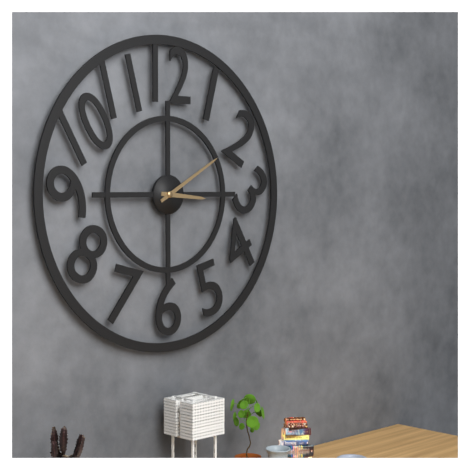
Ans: 3:10
